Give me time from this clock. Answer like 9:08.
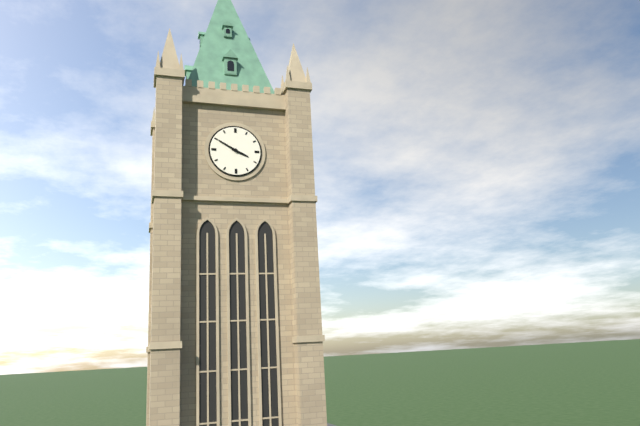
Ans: 3:50
